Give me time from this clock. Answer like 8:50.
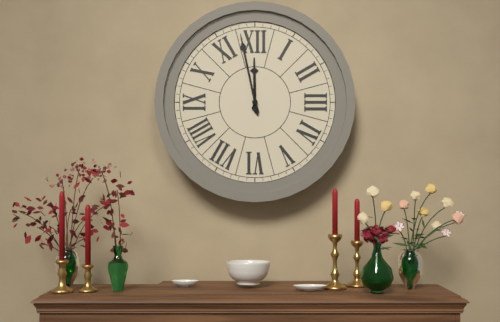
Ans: 11:58
